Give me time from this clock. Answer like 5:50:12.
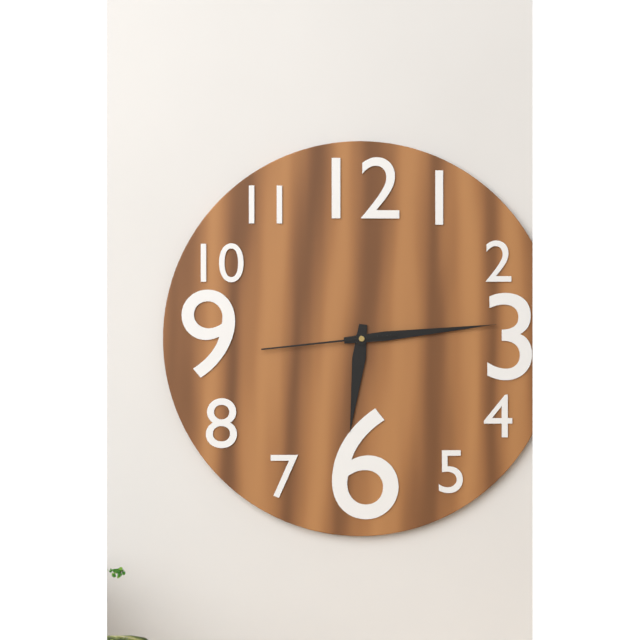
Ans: 6:14:44
